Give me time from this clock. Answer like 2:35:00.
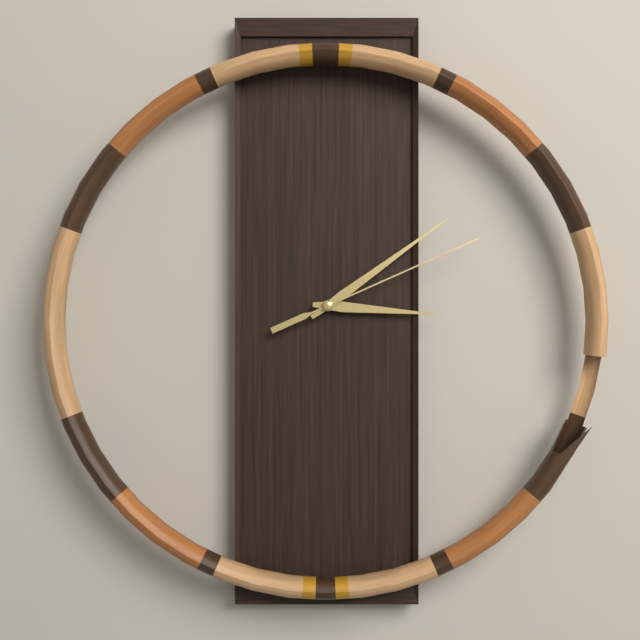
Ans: 3:09:11
